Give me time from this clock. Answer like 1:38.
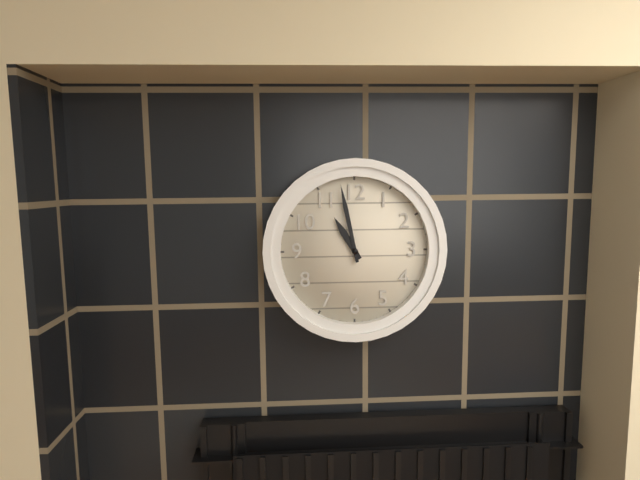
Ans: 10:58
